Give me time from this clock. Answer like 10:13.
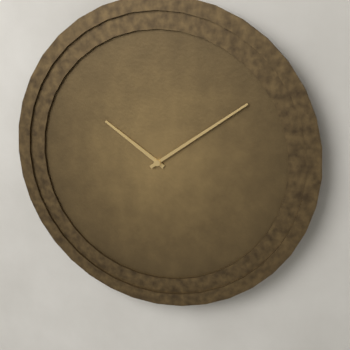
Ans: 10:09
